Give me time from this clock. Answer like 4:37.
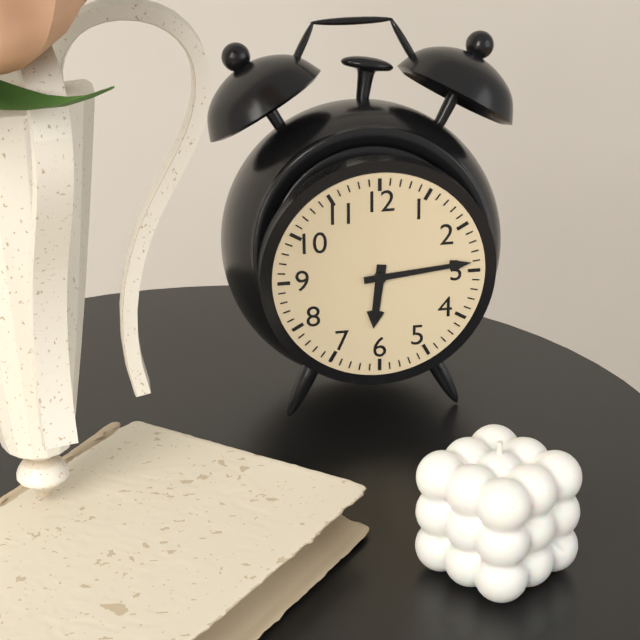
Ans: 6:14
